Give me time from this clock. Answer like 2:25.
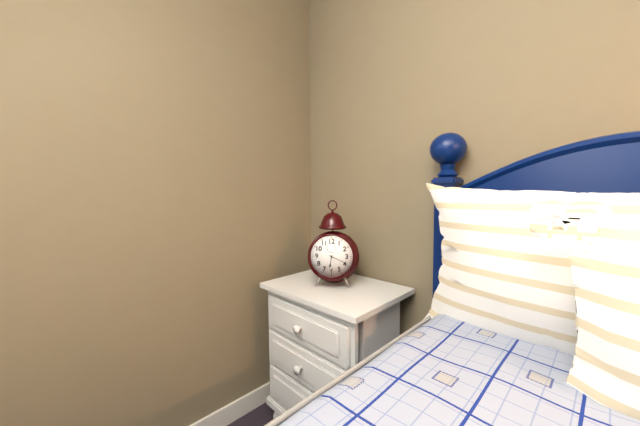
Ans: 6:19
